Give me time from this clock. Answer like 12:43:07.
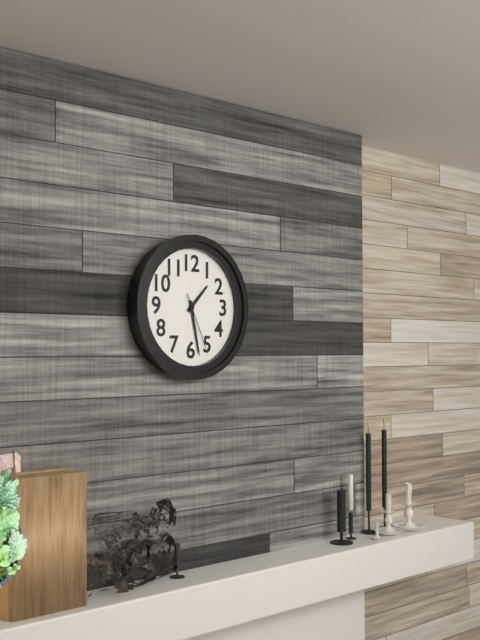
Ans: 1:28:26
